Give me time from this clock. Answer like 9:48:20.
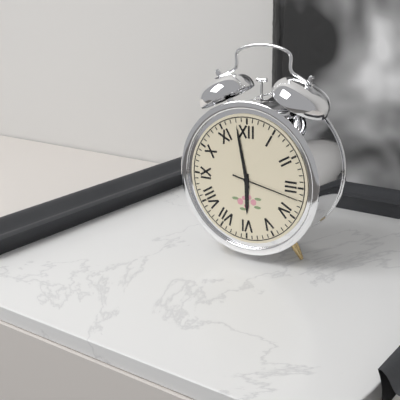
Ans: 5:58:17
